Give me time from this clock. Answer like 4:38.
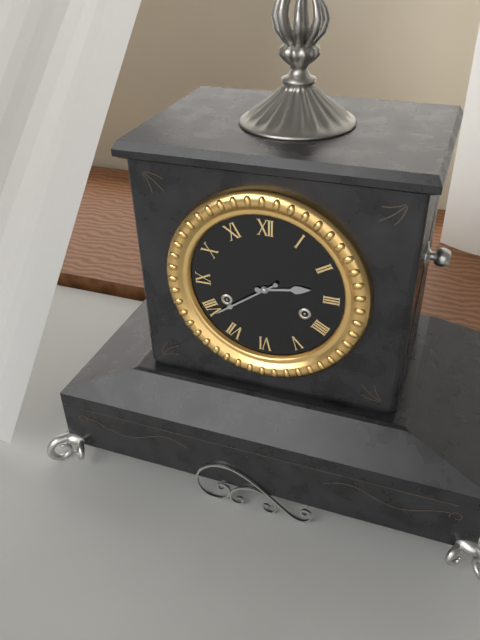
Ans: 2:39
